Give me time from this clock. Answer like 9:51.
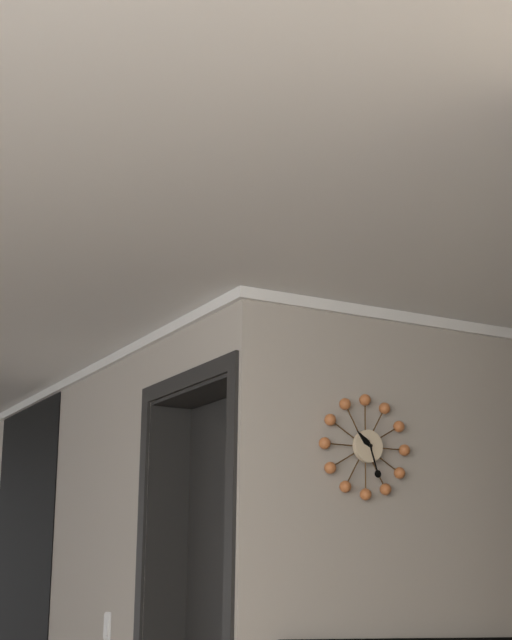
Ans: 10:27
